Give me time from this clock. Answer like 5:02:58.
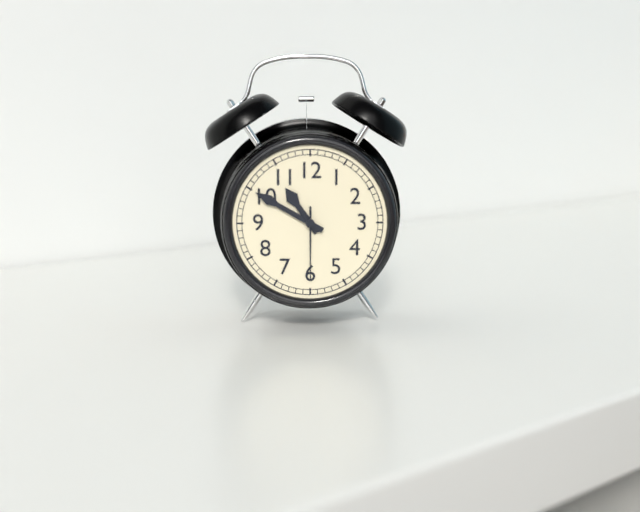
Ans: 10:50:30
